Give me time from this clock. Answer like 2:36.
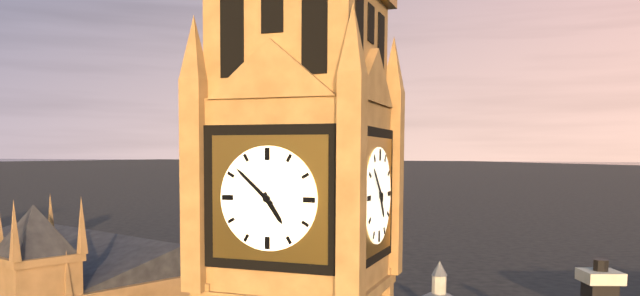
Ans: 4:52
